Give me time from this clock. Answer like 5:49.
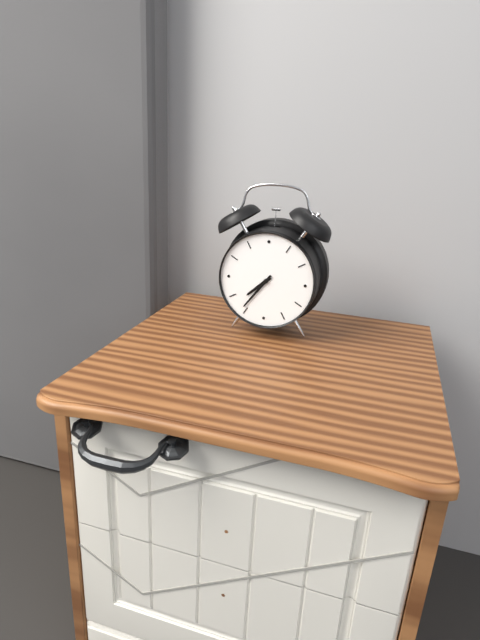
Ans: 7:36
